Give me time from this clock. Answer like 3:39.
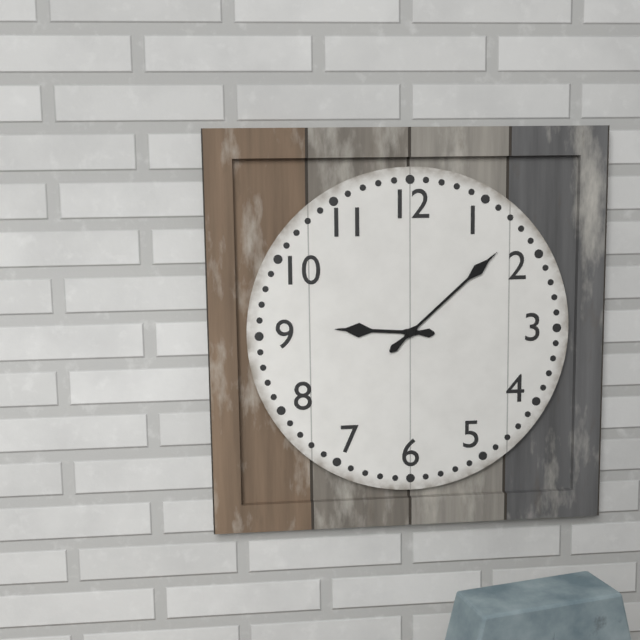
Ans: 9:08
